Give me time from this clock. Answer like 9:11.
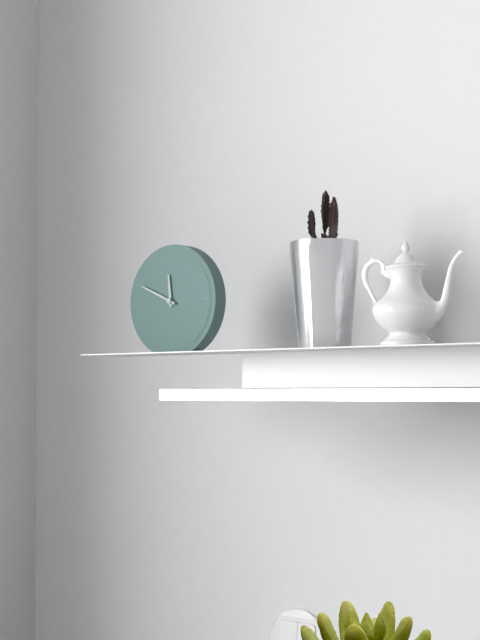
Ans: 11:49
